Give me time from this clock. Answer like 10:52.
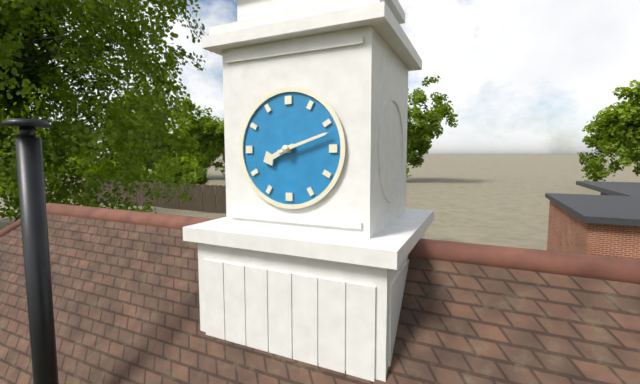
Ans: 8:12
